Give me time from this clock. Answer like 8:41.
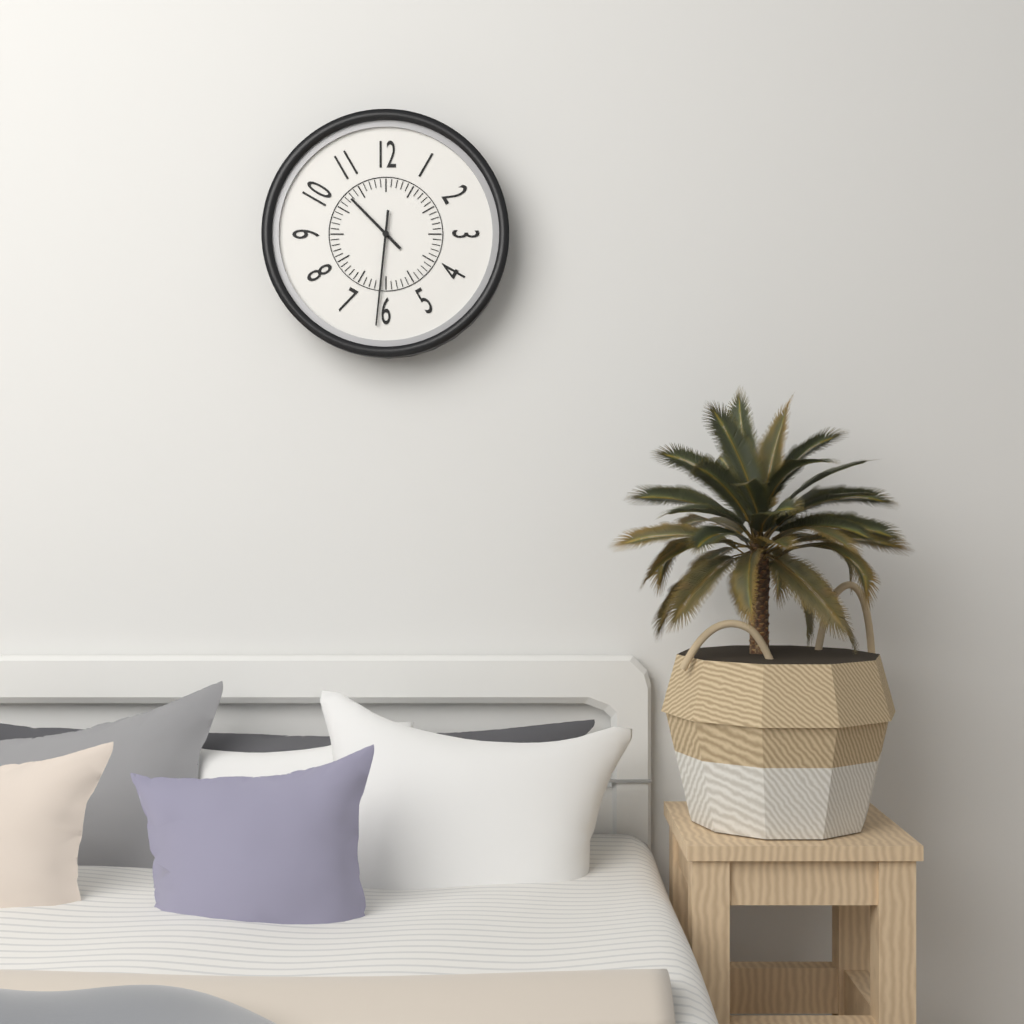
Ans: 10:31
